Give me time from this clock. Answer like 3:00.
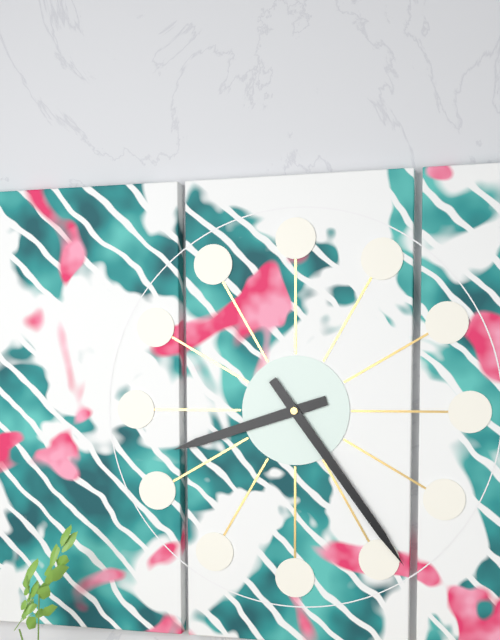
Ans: 8:24
